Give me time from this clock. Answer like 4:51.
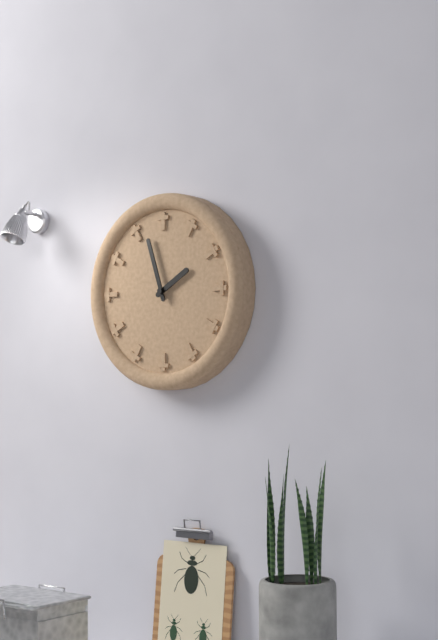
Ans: 1:57
